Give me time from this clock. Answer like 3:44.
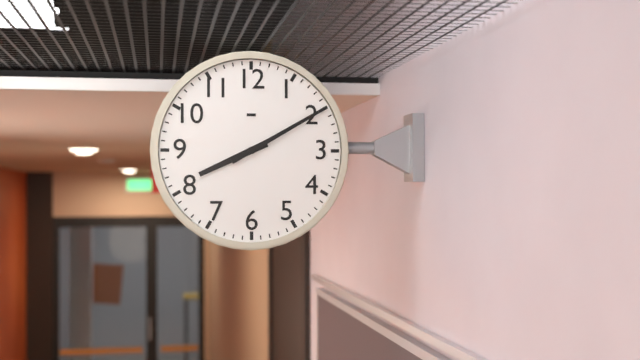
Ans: 8:10
